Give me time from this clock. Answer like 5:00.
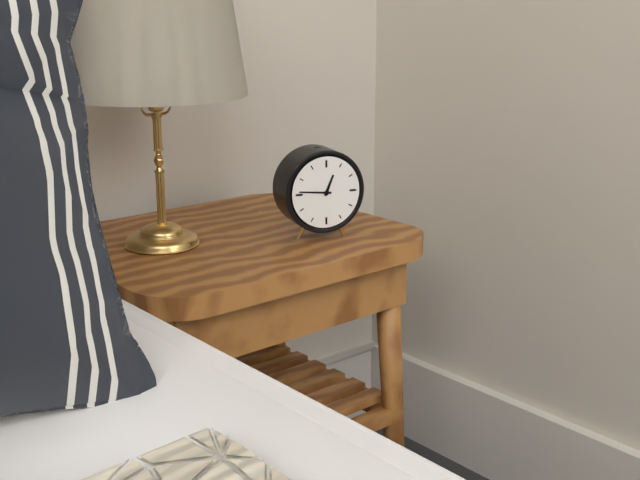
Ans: 12:46
